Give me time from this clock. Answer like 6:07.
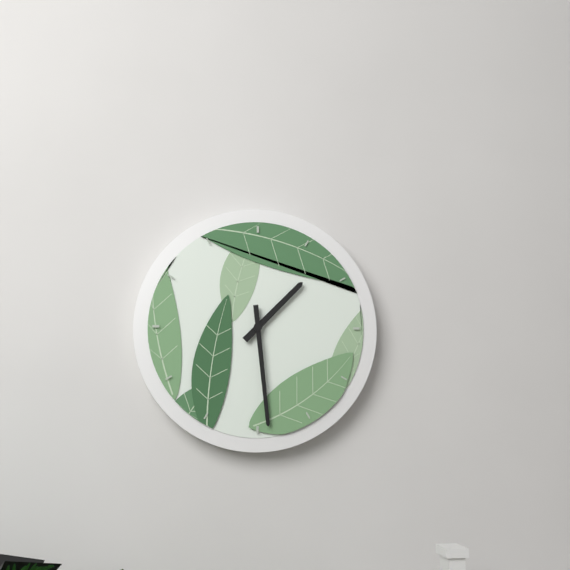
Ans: 1:29
